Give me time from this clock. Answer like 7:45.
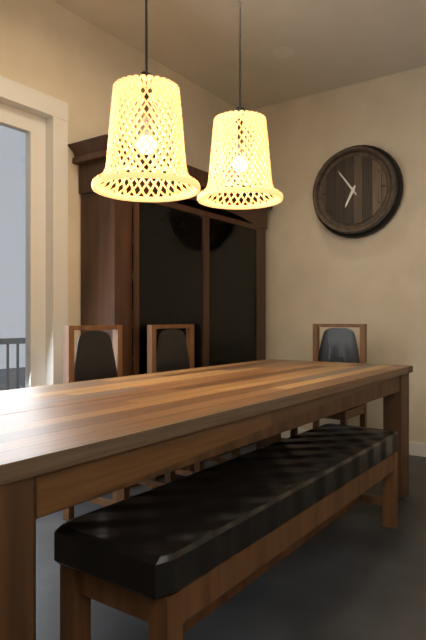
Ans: 6:54
